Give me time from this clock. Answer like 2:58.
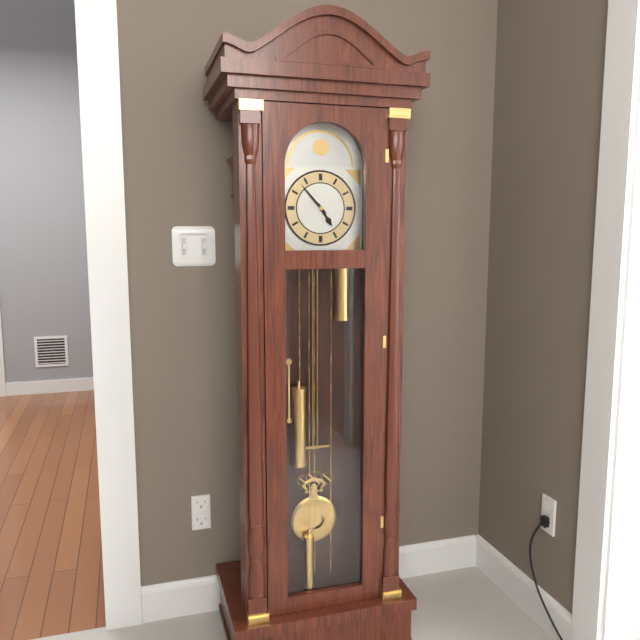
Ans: 4:53
